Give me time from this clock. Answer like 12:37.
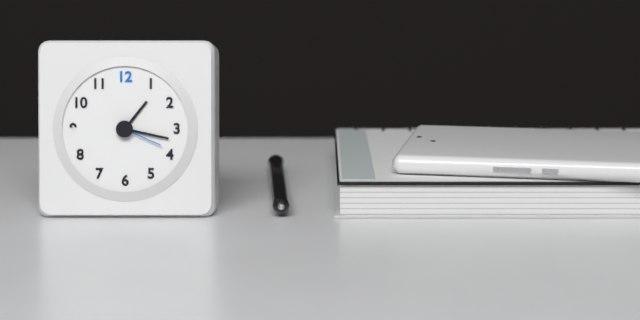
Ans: 1:17
